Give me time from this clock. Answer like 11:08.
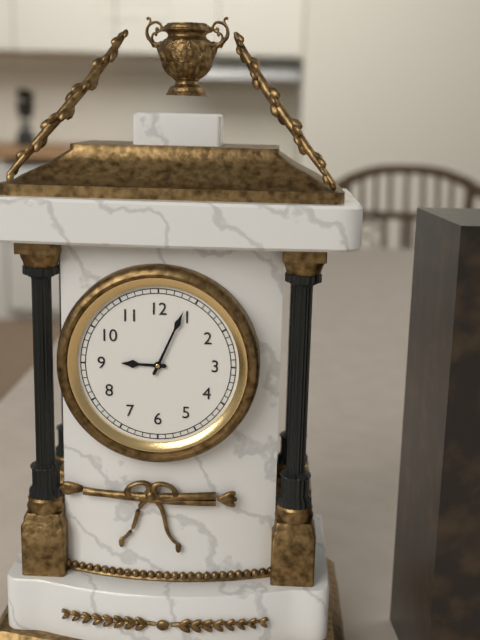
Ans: 9:04
